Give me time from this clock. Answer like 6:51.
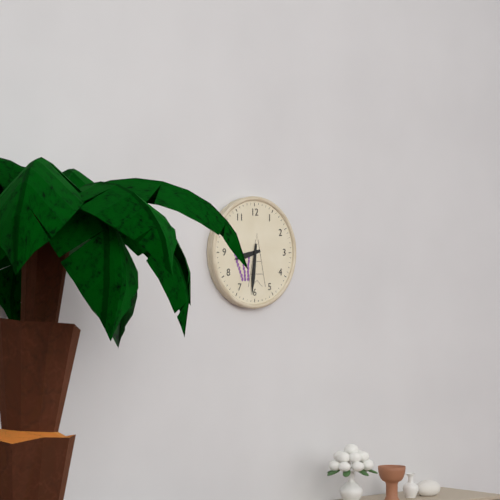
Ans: 8:31
